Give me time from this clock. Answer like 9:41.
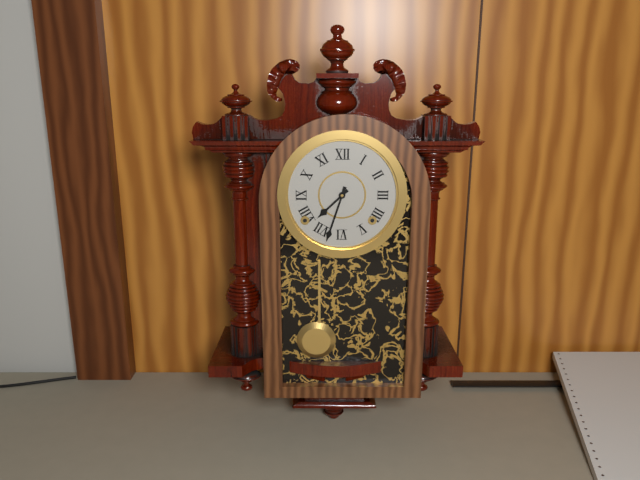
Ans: 7:33
